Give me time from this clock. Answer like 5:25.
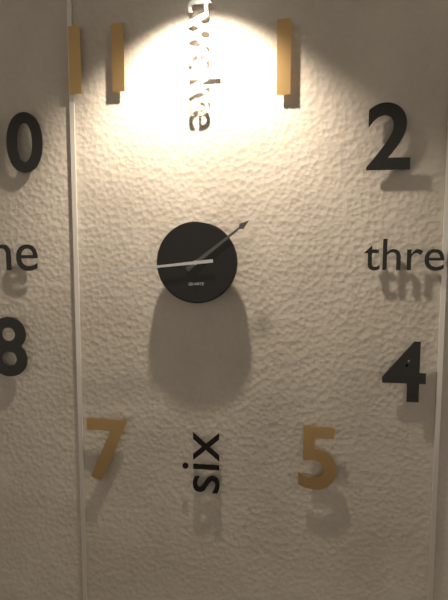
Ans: 1:44
